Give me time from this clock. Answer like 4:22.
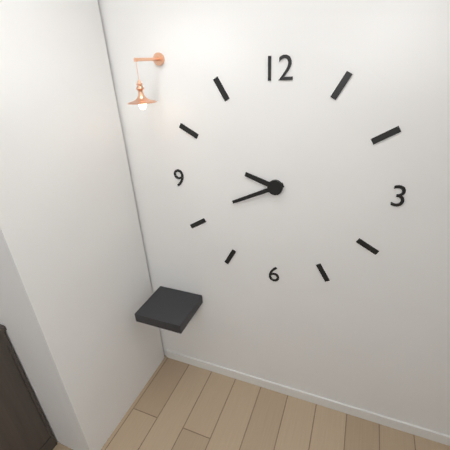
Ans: 9:41
